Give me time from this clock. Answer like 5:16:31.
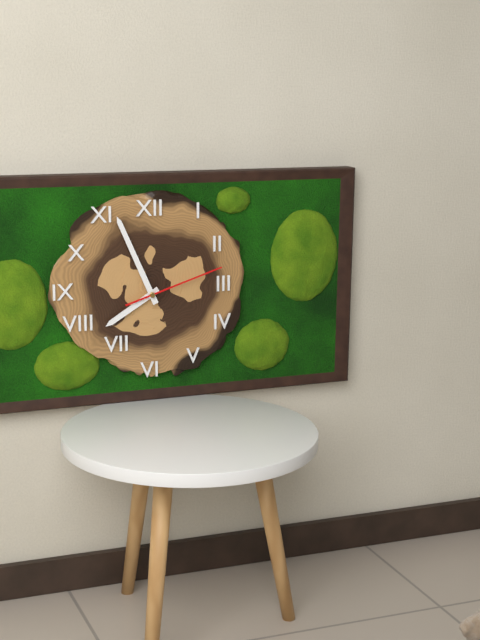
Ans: 7:56:12
